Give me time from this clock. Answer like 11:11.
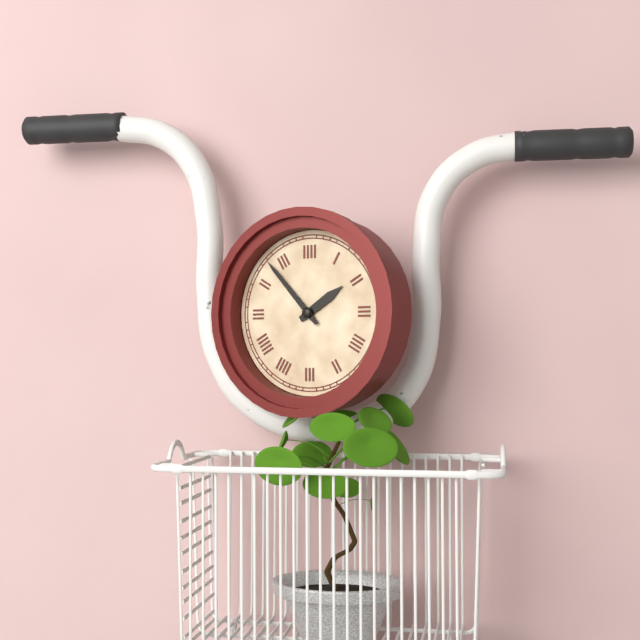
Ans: 1:53
